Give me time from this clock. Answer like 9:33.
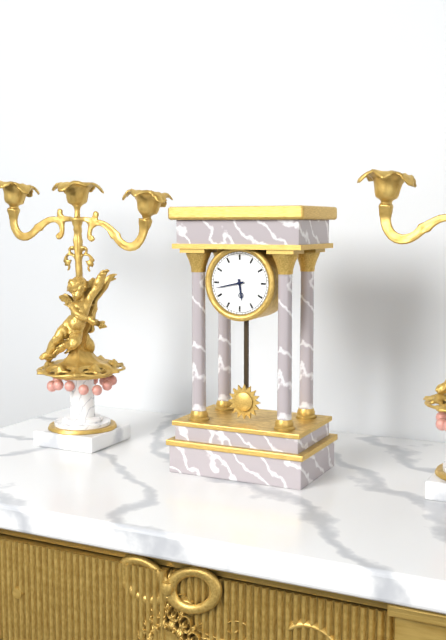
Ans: 5:43
